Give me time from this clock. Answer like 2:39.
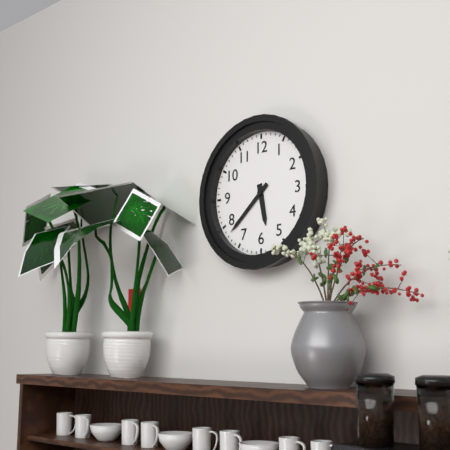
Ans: 5:38
